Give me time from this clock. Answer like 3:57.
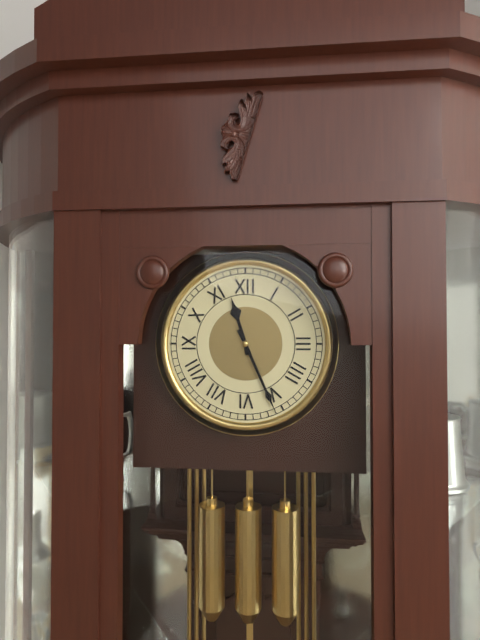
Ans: 11:26
